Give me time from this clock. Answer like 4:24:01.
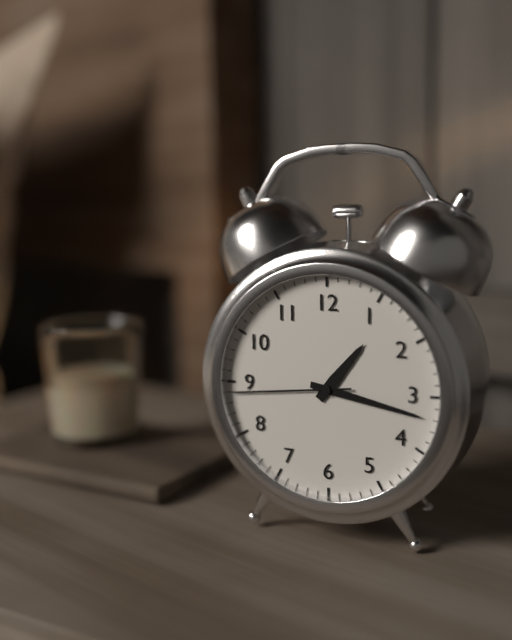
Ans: 1:17:44
